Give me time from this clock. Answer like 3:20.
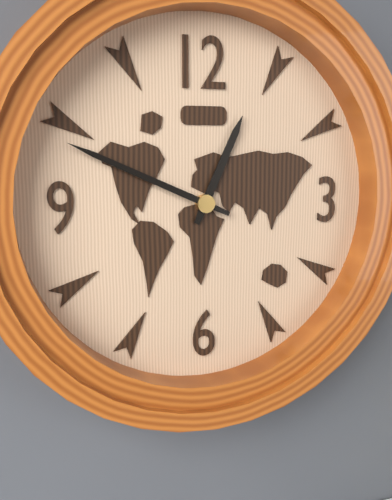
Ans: 12:49
